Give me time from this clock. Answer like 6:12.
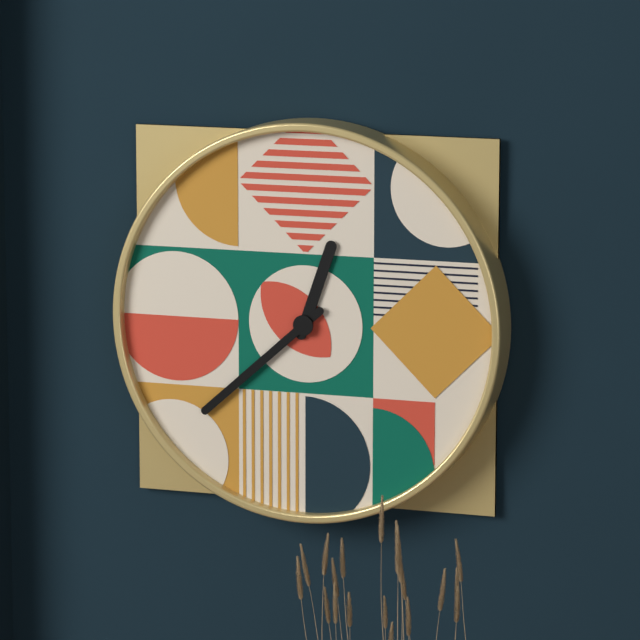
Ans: 12:38
